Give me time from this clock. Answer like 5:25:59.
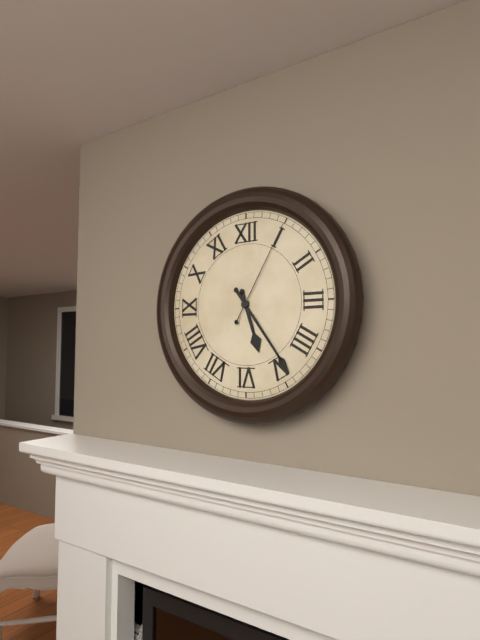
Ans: 5:24:05
